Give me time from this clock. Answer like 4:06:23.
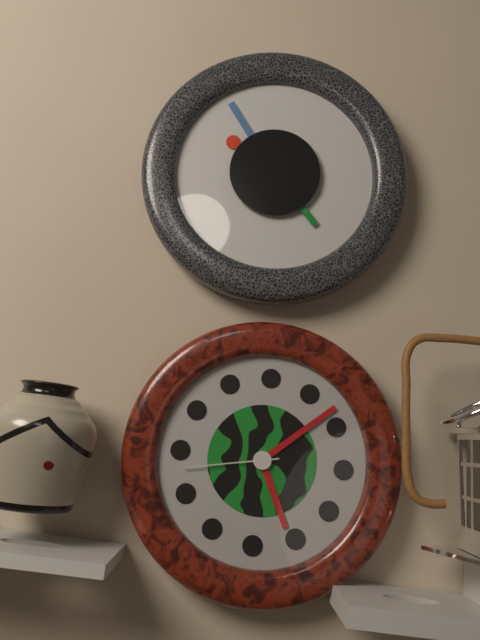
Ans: 5:08:43
